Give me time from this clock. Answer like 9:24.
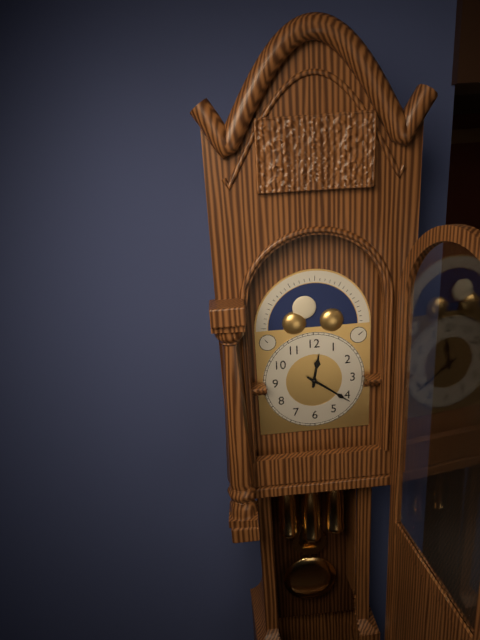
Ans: 12:21
